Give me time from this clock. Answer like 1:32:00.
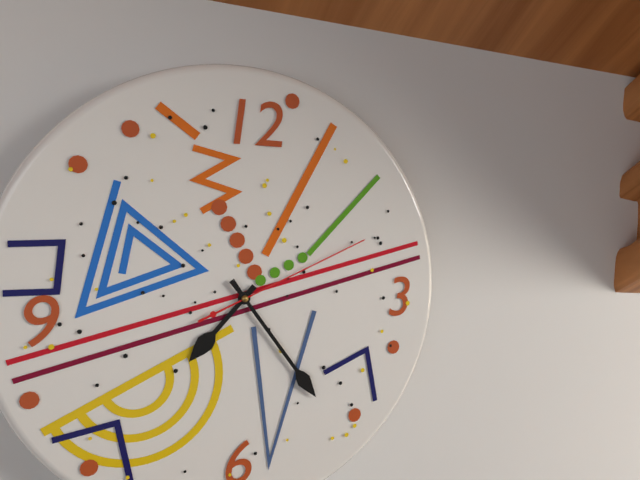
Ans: 7:24:11
